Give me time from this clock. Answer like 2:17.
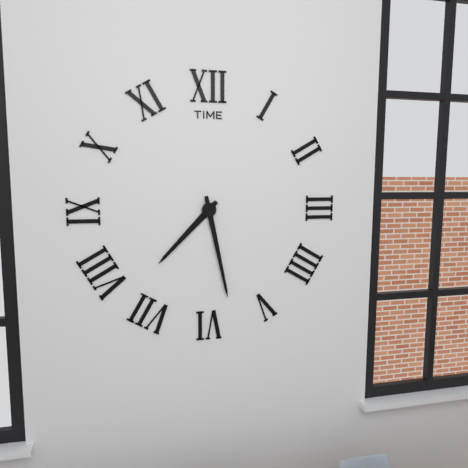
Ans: 7:28
